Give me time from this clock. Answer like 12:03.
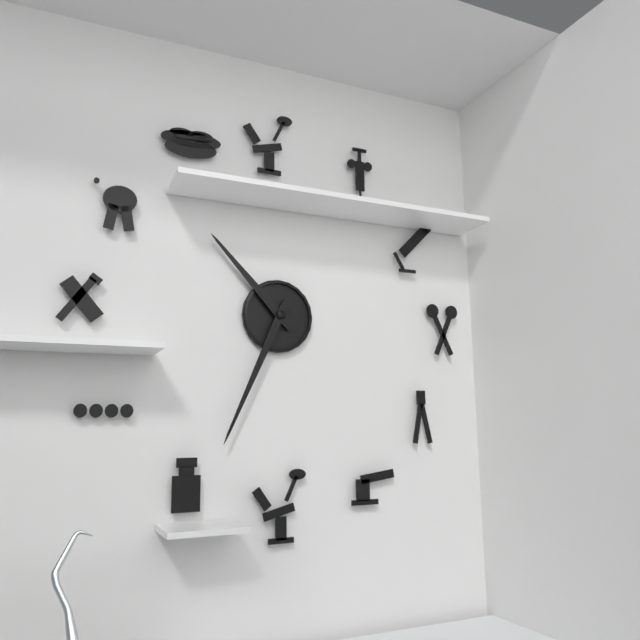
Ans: 10:34
